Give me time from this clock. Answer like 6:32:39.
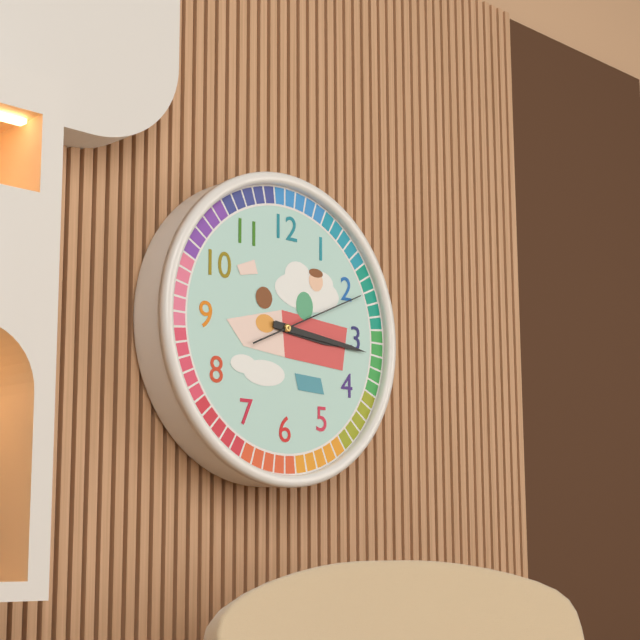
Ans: 3:16:11
